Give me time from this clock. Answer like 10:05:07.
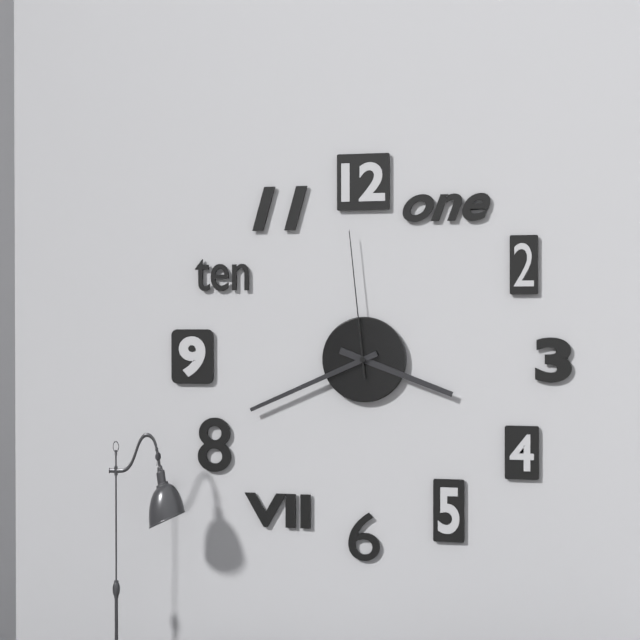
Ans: 3:41:59
